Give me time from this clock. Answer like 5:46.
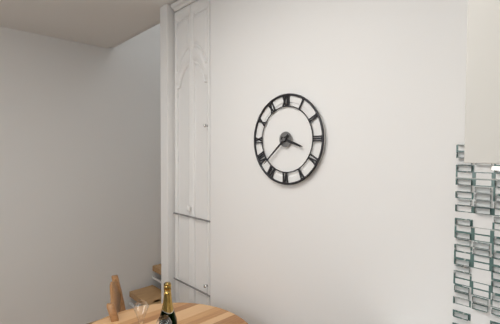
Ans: 3:38
